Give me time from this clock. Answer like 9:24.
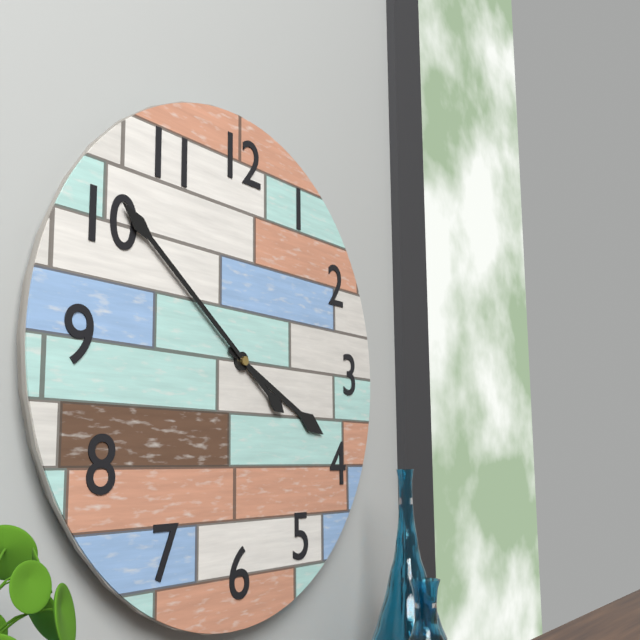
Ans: 3:51
